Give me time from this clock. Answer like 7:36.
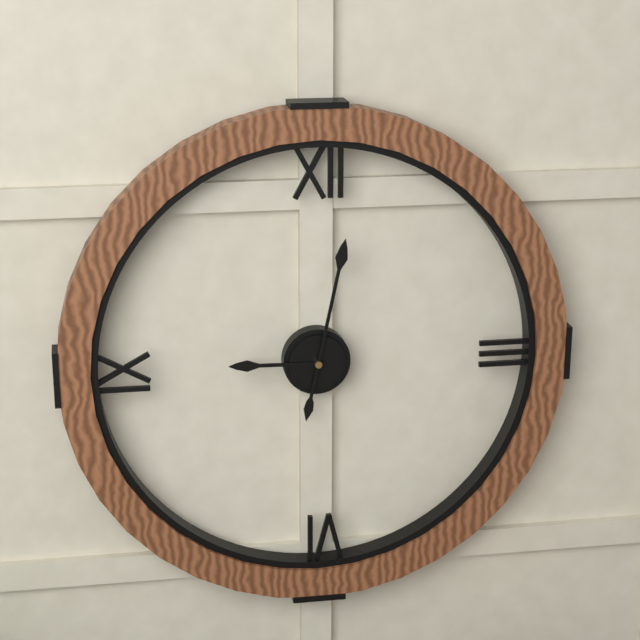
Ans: 9:02
